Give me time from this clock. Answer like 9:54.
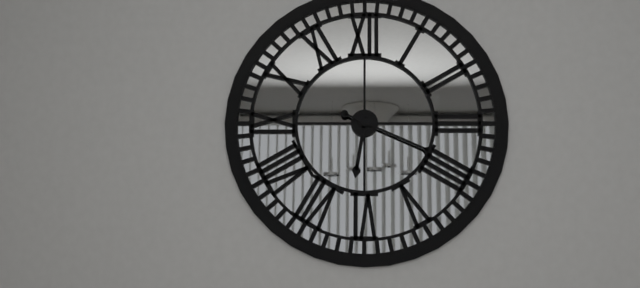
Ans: 6:19
